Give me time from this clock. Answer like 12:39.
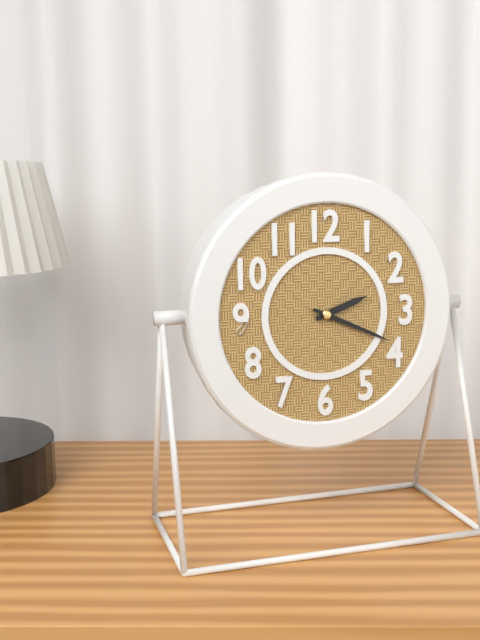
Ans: 2:19
